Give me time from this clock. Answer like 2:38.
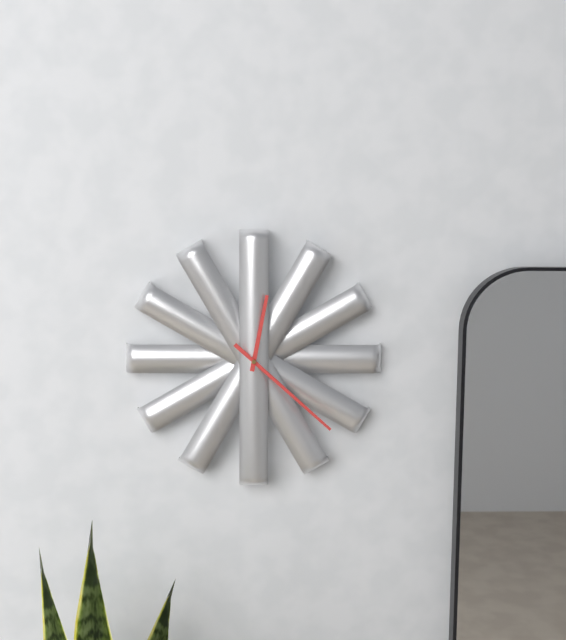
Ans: 12:22
